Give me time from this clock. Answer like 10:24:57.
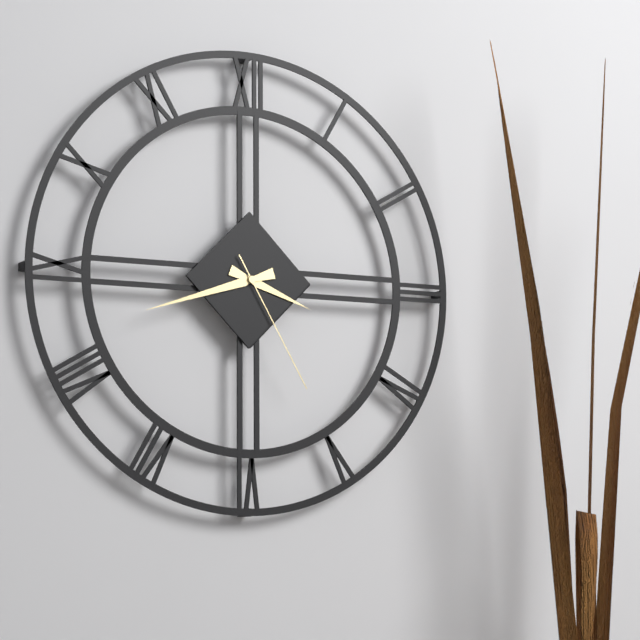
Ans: 3:42:25
